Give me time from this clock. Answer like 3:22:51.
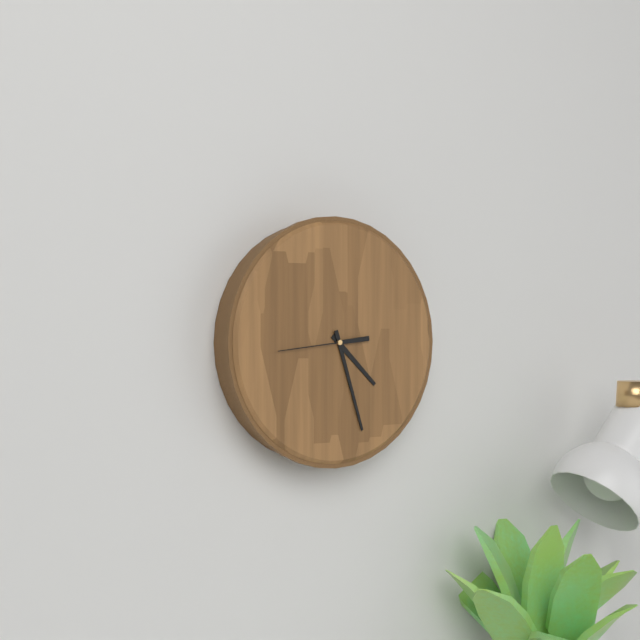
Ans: 4:27:44
